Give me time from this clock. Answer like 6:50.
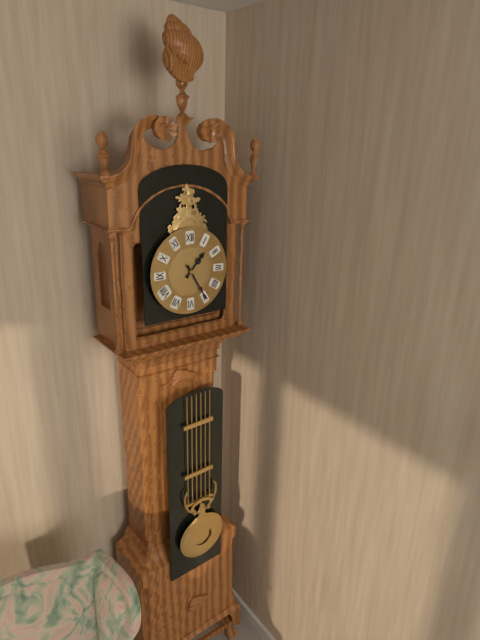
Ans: 1:25
